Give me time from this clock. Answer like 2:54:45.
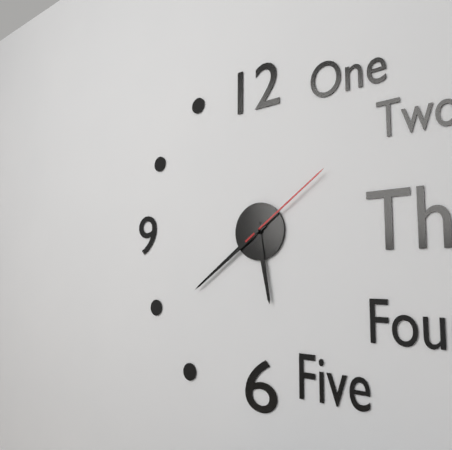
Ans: 5:39:09
